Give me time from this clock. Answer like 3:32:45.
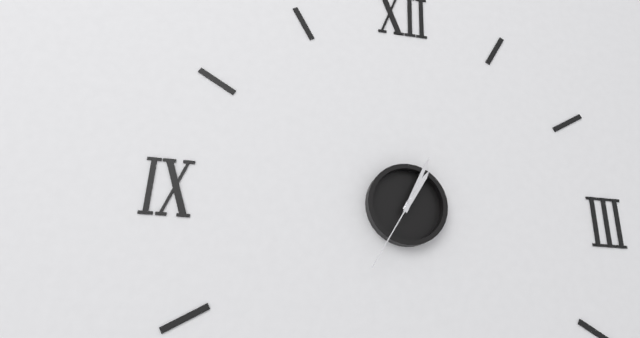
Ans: 1:04:35
